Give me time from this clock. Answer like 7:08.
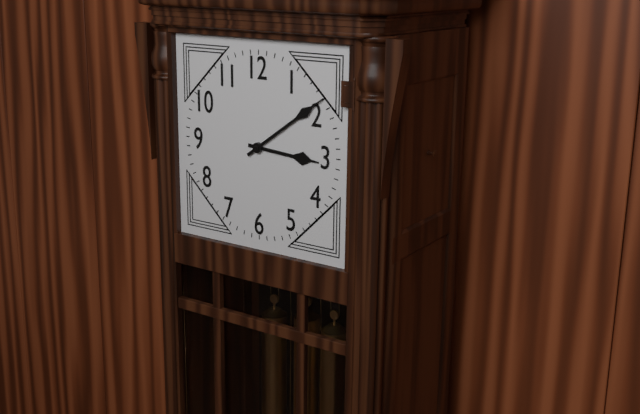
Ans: 3:09
